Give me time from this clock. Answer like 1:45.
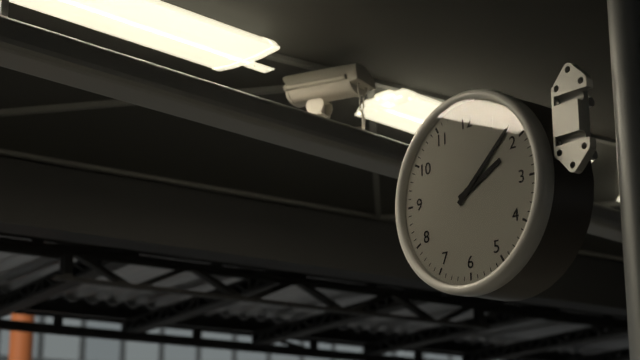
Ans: 2:08
